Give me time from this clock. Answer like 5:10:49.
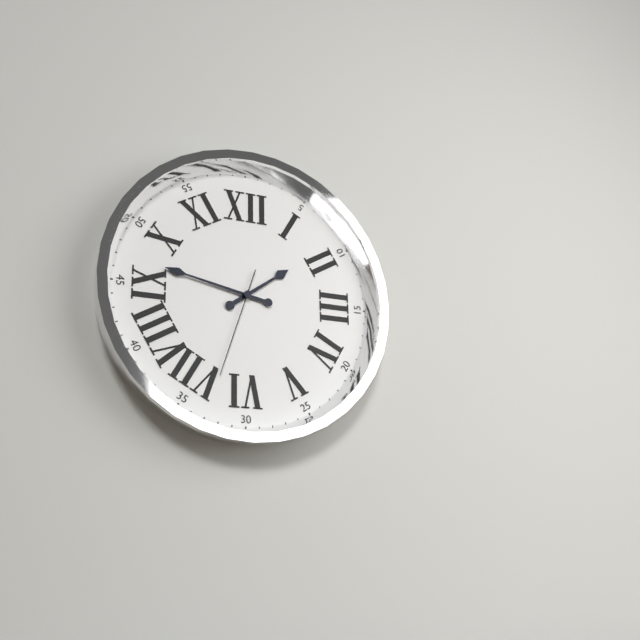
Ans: 1:47:33
